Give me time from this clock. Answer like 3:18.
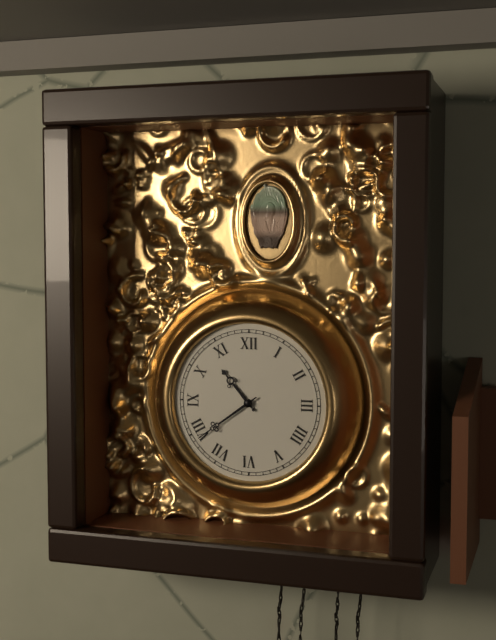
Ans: 10:39
